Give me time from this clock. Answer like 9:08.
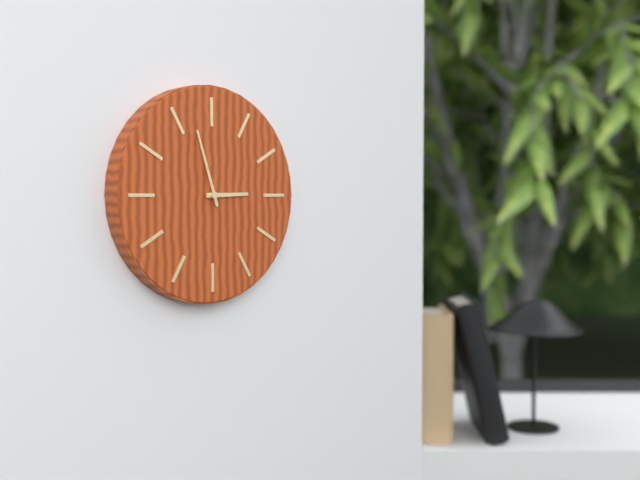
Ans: 2:57
